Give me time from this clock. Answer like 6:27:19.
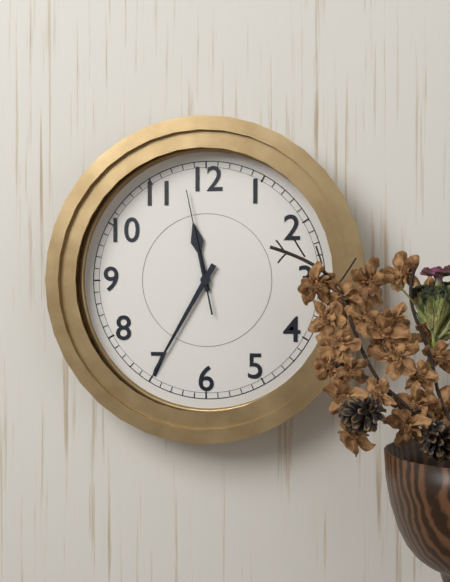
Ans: 11:35:58
